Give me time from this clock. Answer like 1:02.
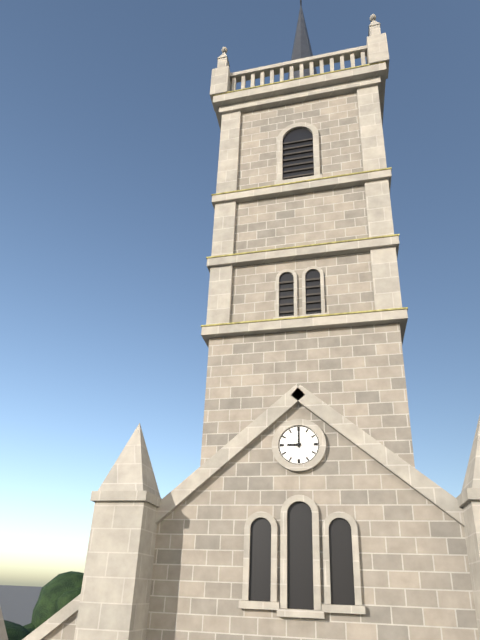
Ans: 9:00
